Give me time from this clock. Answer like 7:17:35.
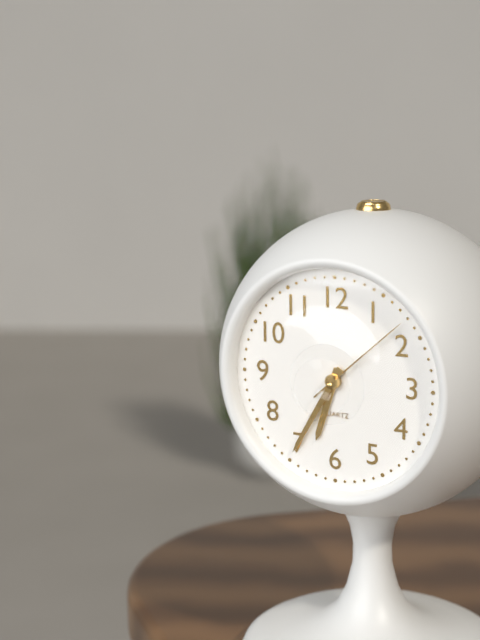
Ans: 6:35:08
